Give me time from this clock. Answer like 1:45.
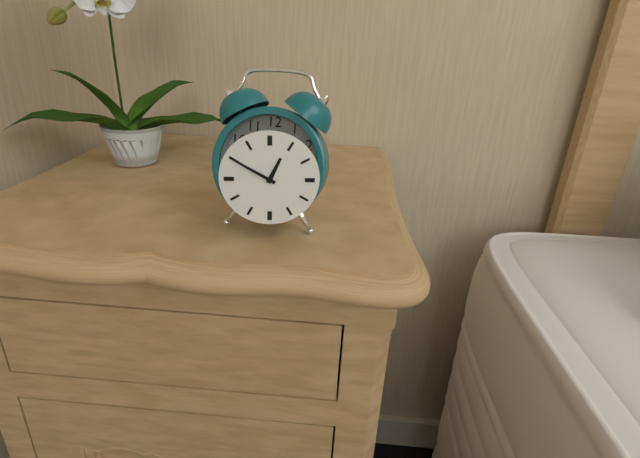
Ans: 12:50
